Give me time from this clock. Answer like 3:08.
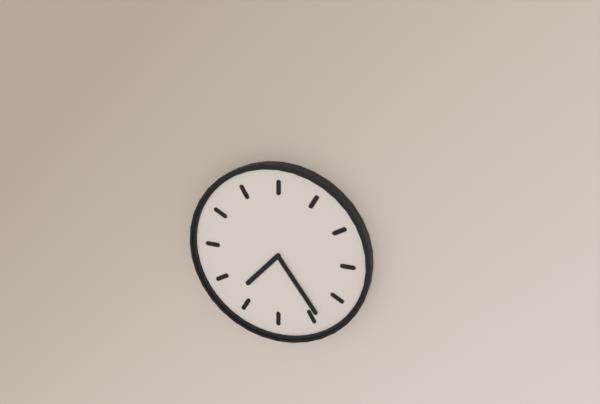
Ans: 7:24
